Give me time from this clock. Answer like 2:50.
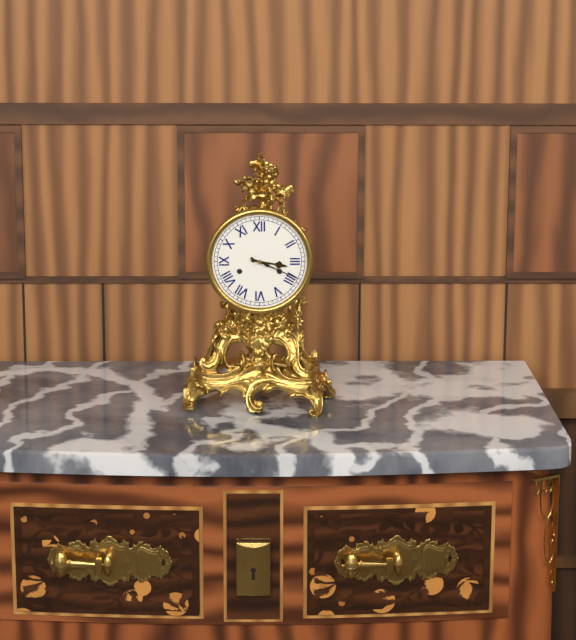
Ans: 3:19
